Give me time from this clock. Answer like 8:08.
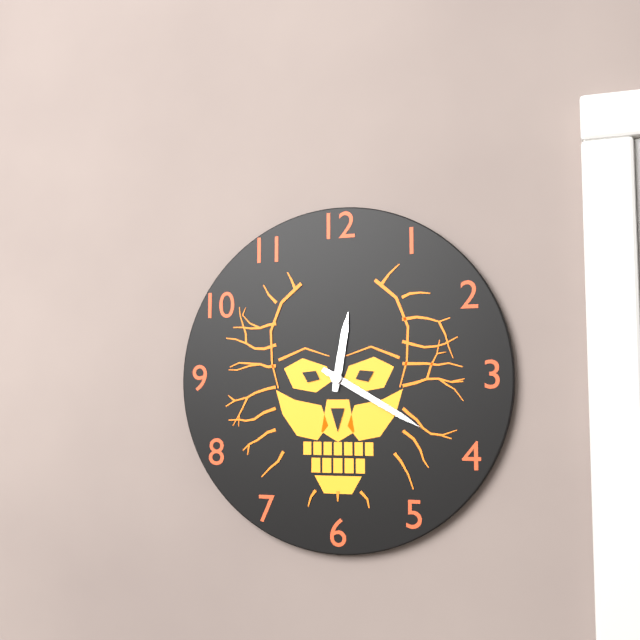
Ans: 12:20
